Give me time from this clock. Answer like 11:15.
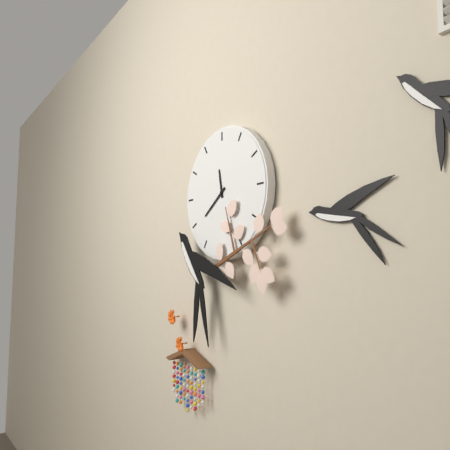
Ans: 11:39
